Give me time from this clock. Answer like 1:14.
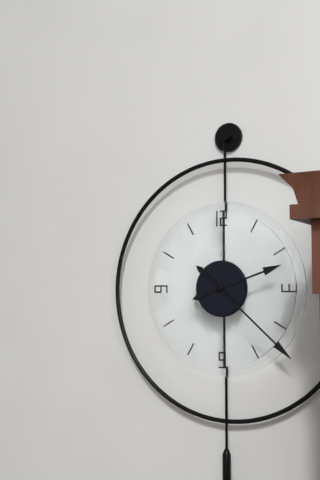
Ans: 2:22
